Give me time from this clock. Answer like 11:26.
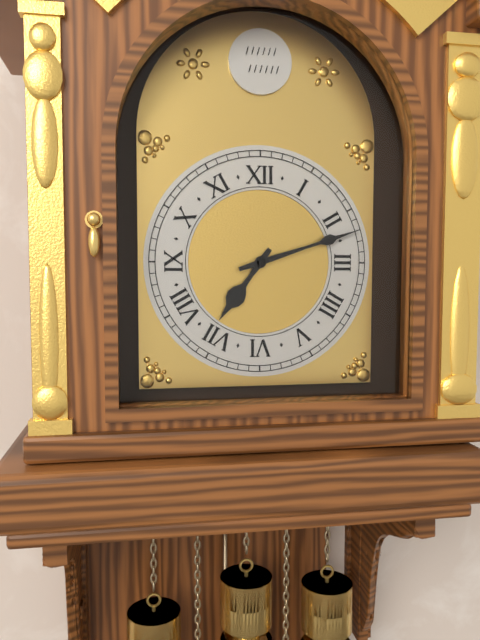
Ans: 7:12
